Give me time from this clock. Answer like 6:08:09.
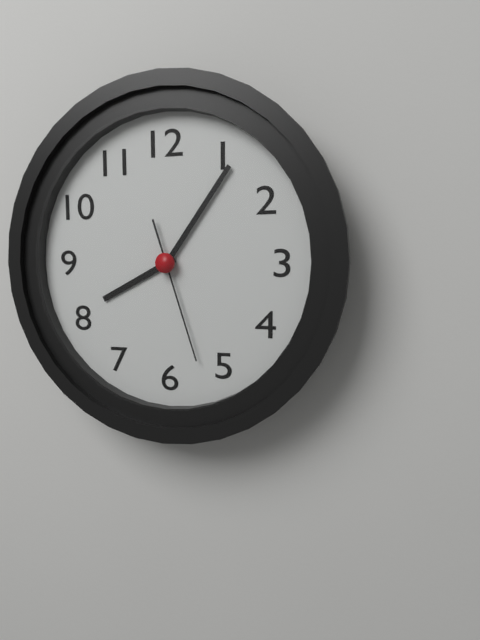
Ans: 8:06:27
